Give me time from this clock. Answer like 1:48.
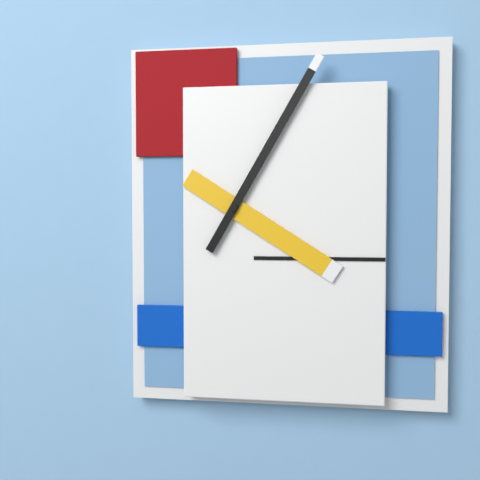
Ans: 4:05
